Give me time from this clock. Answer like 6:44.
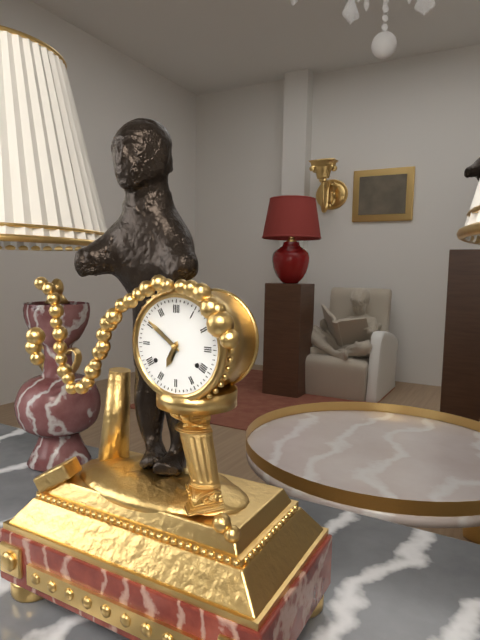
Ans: 6:51
